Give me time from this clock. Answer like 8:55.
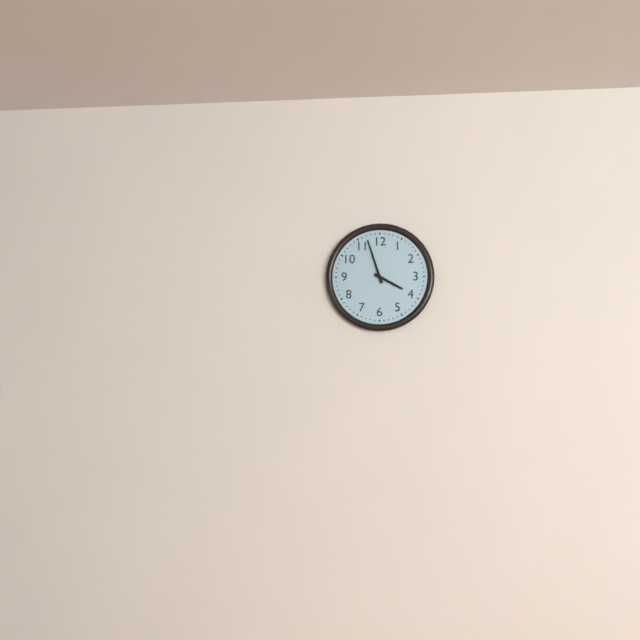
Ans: 3:57
